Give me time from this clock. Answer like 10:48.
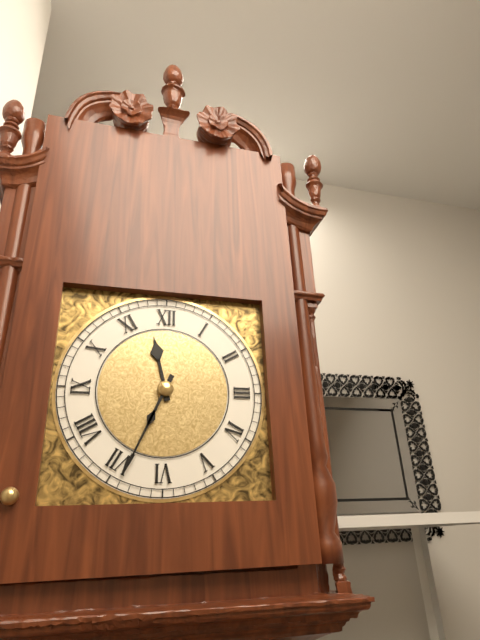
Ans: 11:34
